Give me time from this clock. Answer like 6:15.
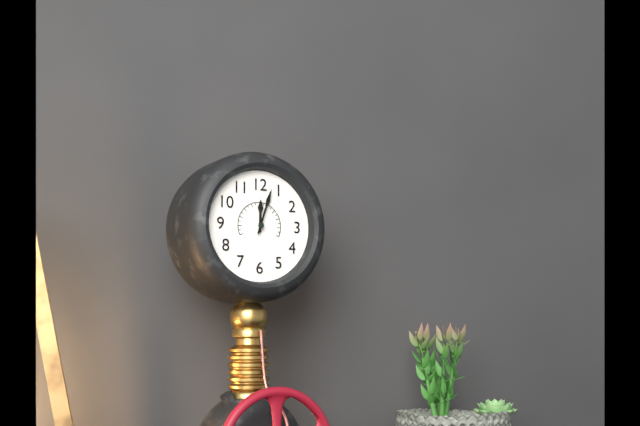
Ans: 12:03
